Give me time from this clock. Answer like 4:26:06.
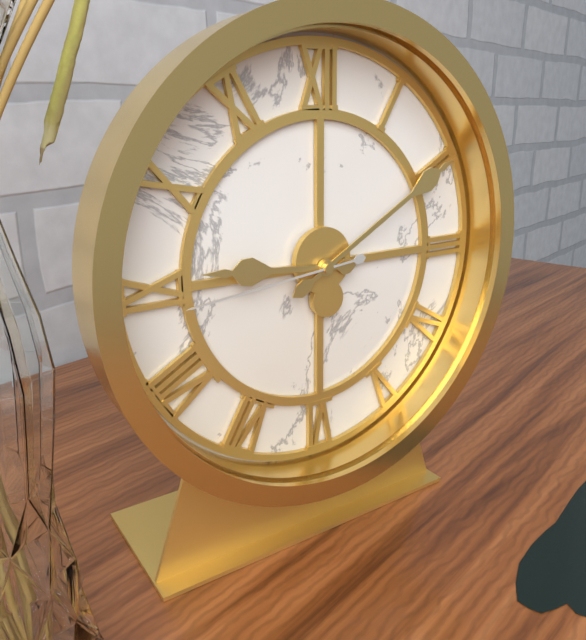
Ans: 9:10:44
